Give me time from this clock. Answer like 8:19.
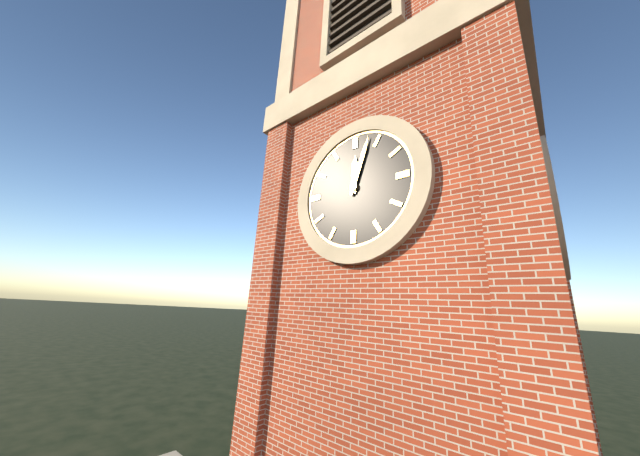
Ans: 12:03
